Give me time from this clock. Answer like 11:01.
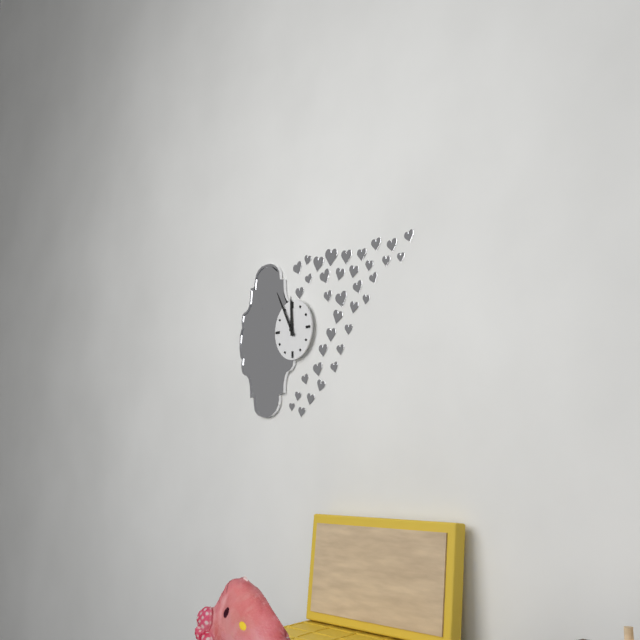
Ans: 11:55
